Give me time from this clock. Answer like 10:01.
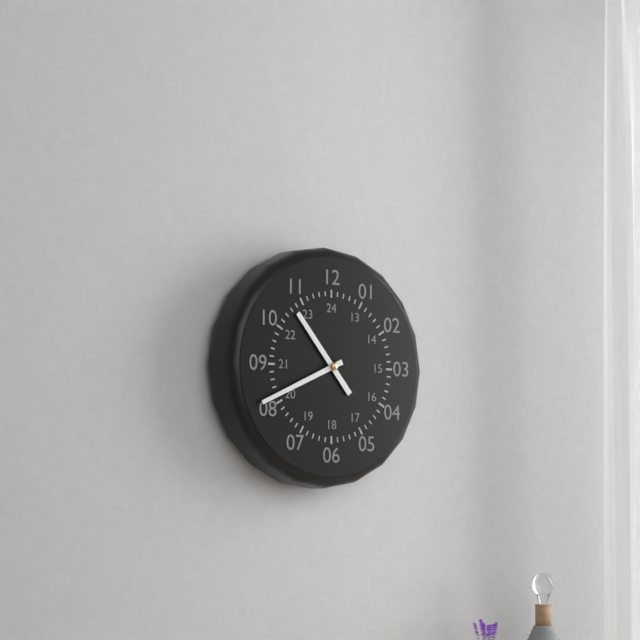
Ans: 10:41
